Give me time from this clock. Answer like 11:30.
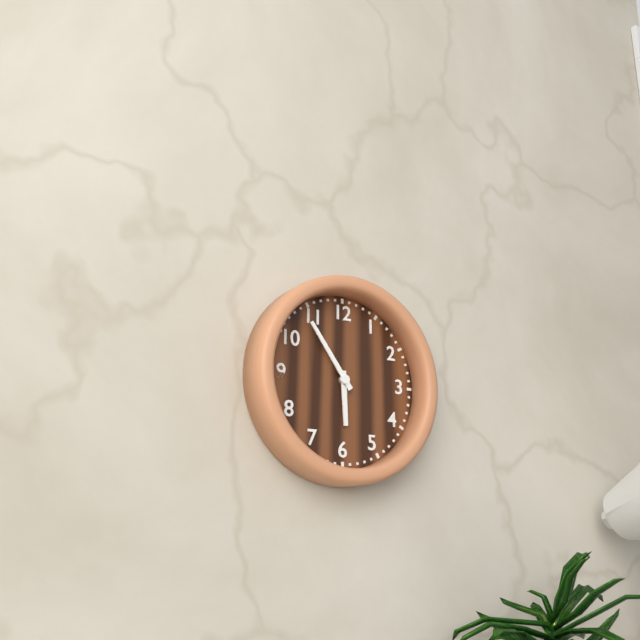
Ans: 5:54
